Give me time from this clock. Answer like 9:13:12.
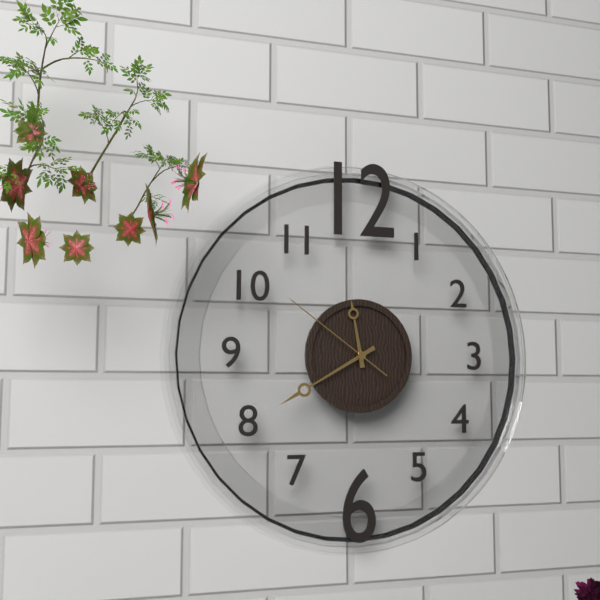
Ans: 11:40:51
